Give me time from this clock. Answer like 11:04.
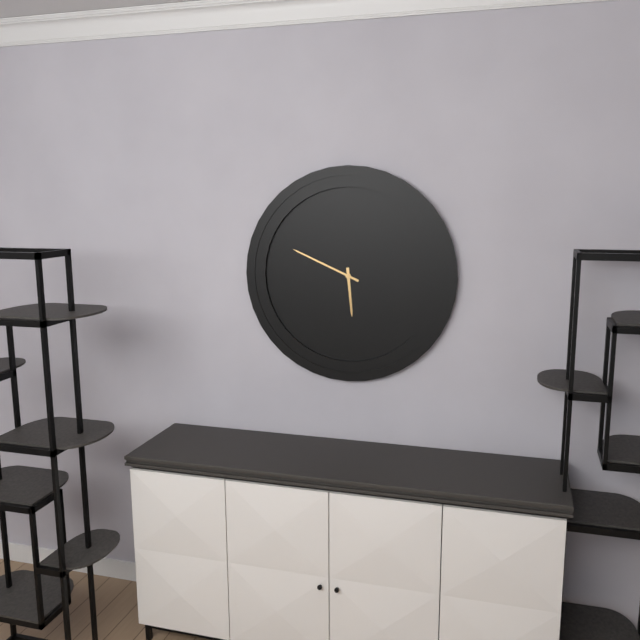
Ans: 5:49
